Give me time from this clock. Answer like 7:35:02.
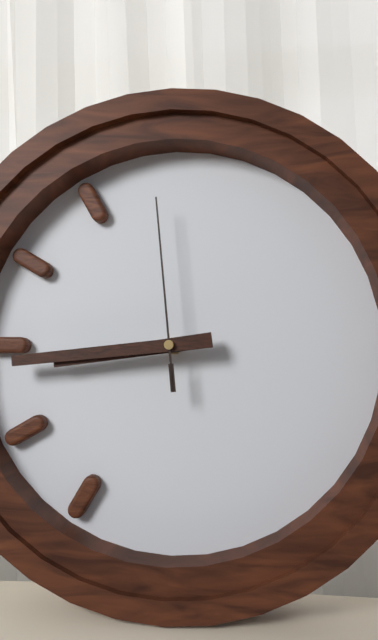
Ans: 8:44:59
